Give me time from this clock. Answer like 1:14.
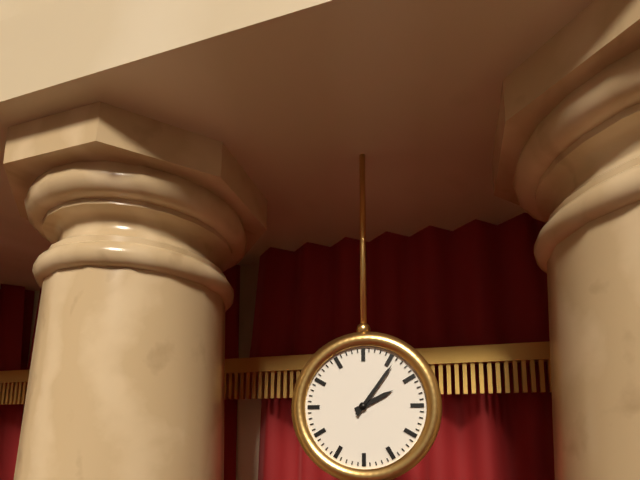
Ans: 2:06
